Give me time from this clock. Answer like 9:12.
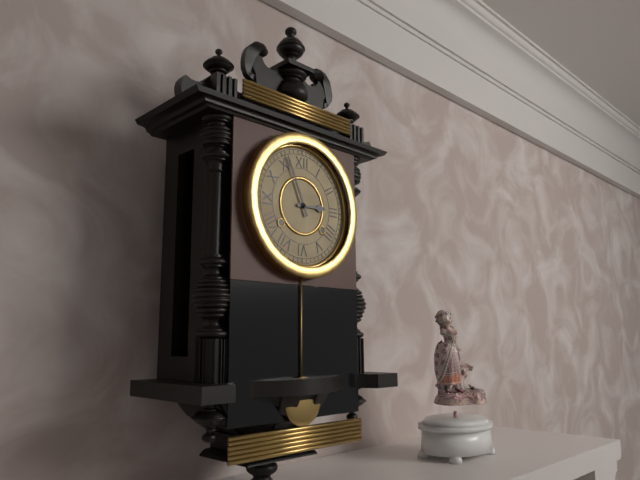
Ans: 2:56
